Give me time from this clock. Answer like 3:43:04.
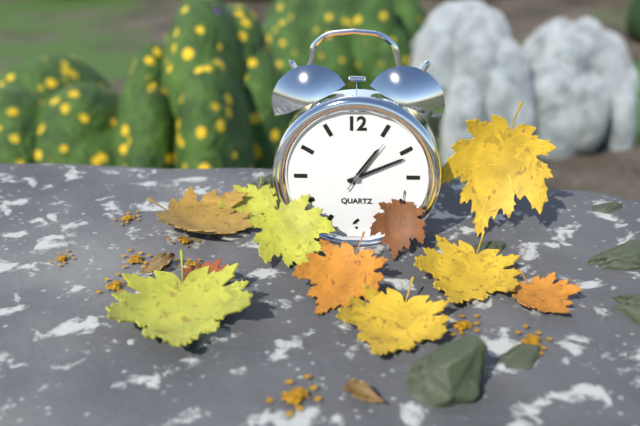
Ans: 1:11:06
